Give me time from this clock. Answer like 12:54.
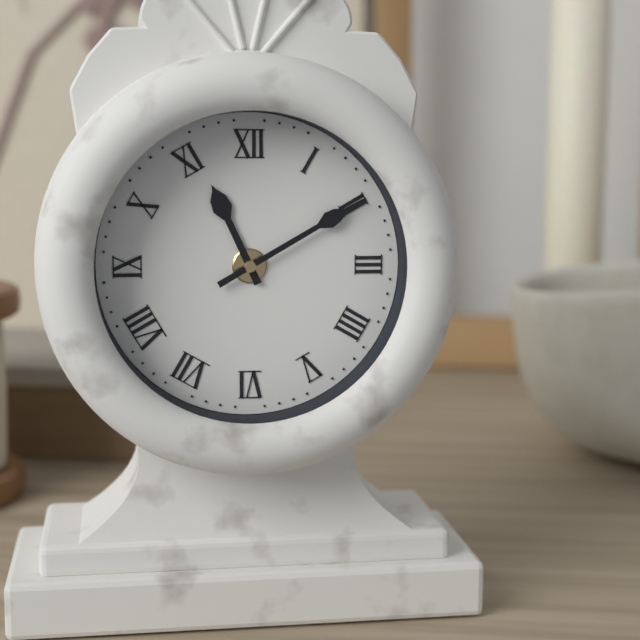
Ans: 11:10
